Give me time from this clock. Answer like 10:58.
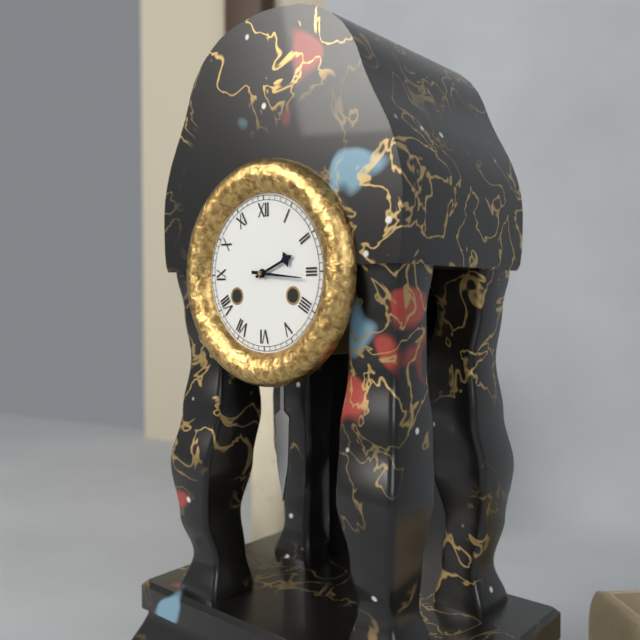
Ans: 2:16
